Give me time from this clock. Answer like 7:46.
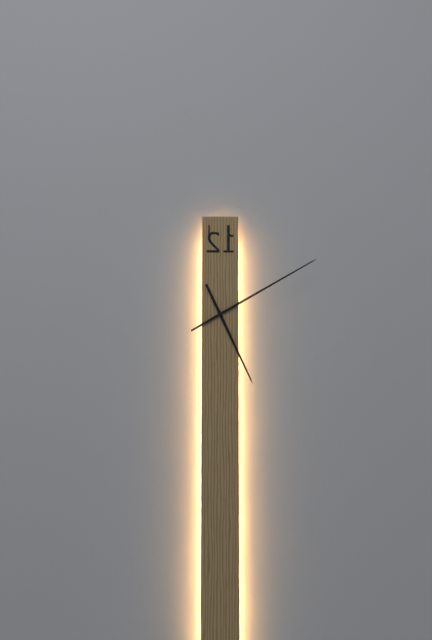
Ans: 5:10
